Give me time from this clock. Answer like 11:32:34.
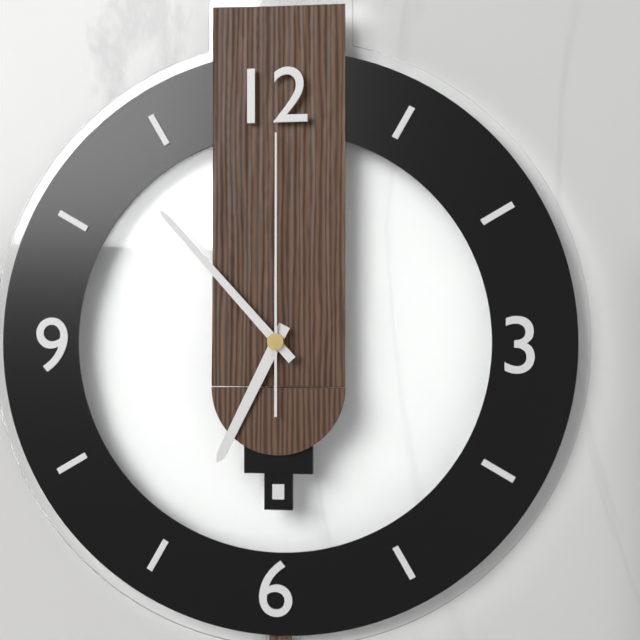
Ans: 6:53:00
